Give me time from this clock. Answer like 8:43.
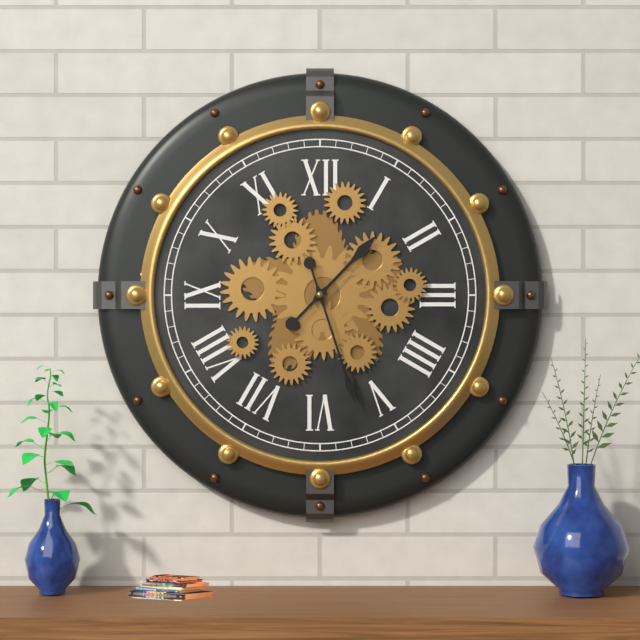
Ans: 1:27
